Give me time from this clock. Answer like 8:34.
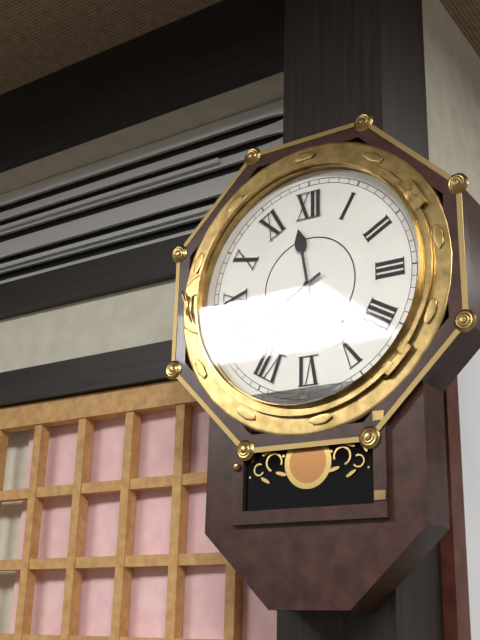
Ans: 11:40
